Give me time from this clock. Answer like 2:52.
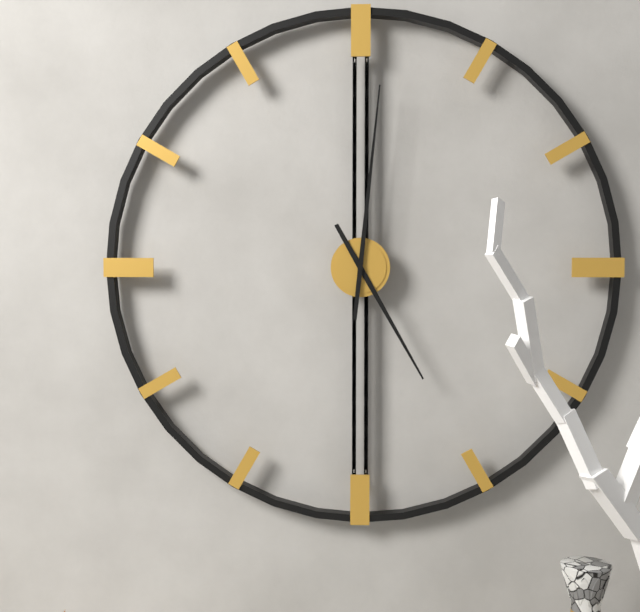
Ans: 5:01
